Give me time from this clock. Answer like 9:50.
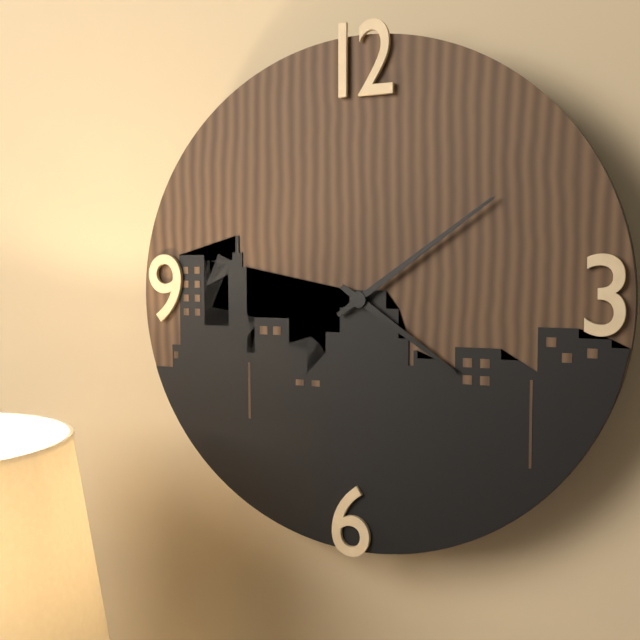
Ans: 4:09
